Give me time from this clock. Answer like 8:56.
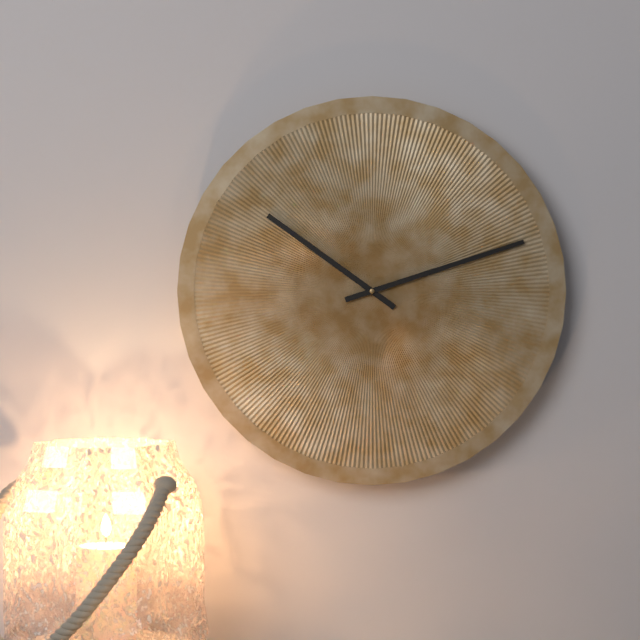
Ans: 10:12
